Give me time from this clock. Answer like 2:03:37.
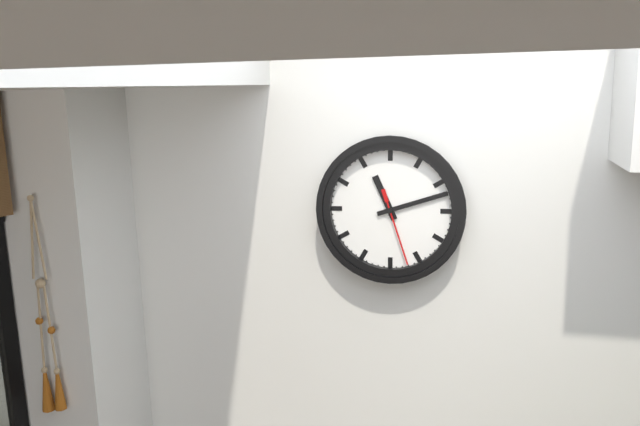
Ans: 11:12:27
